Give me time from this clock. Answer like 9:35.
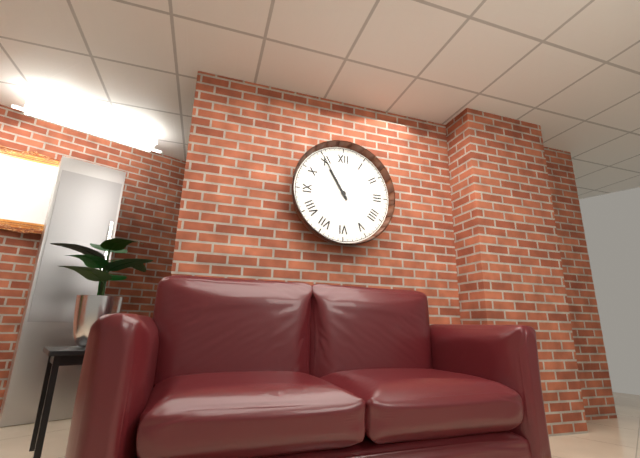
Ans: 10:55
